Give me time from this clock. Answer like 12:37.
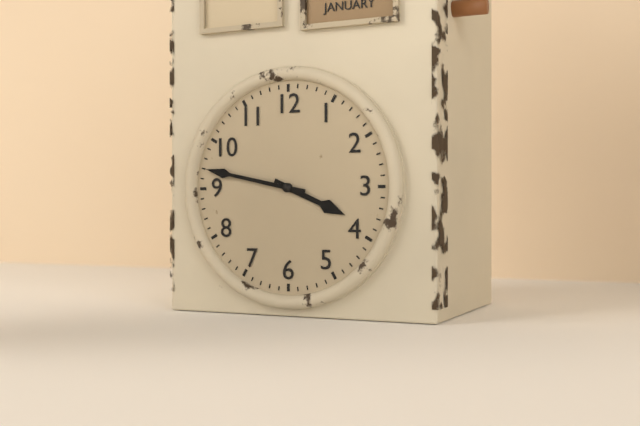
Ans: 3:47
